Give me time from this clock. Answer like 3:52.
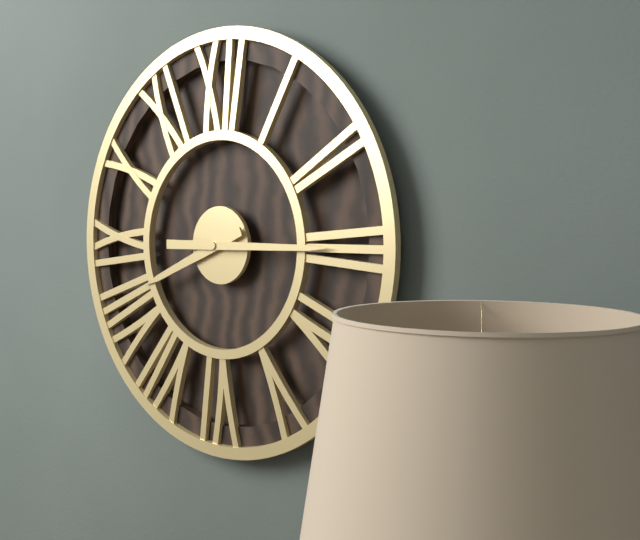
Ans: 8:15
